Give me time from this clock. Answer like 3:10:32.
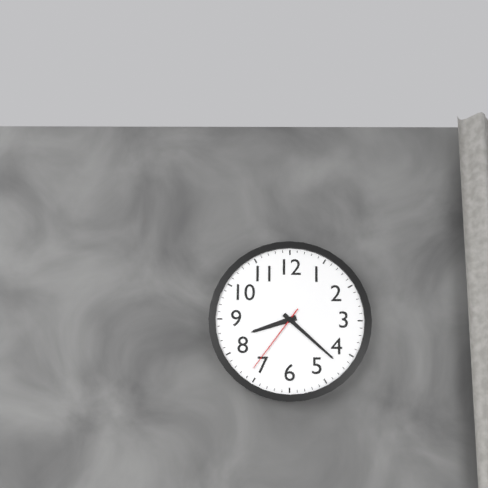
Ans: 8:22:36
